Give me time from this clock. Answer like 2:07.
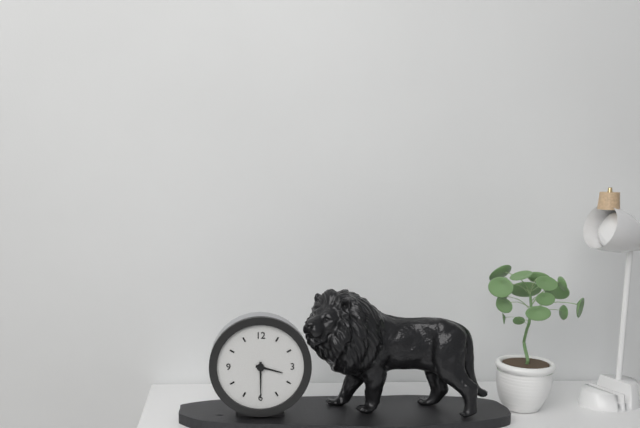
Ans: 3:30
